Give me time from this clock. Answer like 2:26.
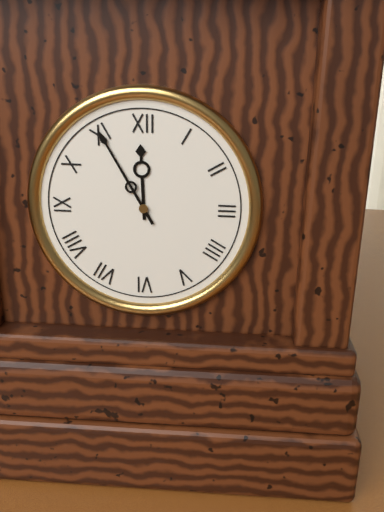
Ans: 11:55
